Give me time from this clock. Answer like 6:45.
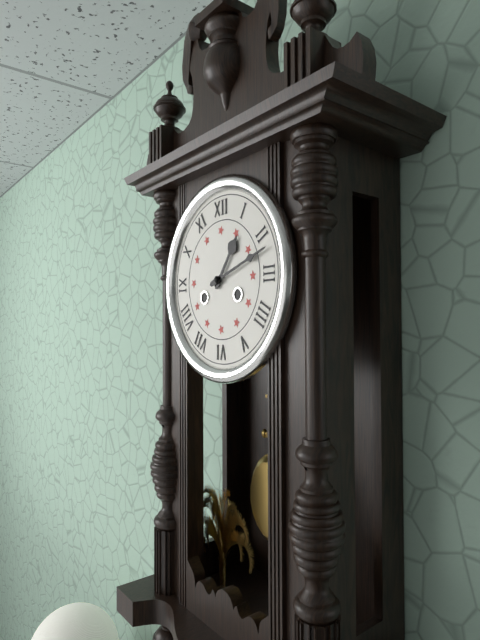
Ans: 1:12
